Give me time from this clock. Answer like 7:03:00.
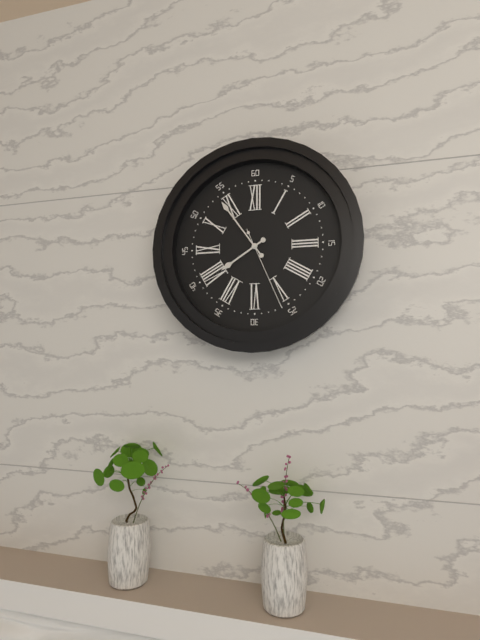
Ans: 7:54:26
